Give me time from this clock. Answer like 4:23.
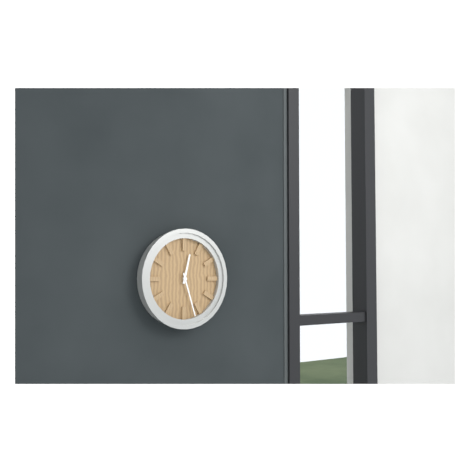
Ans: 12:27
